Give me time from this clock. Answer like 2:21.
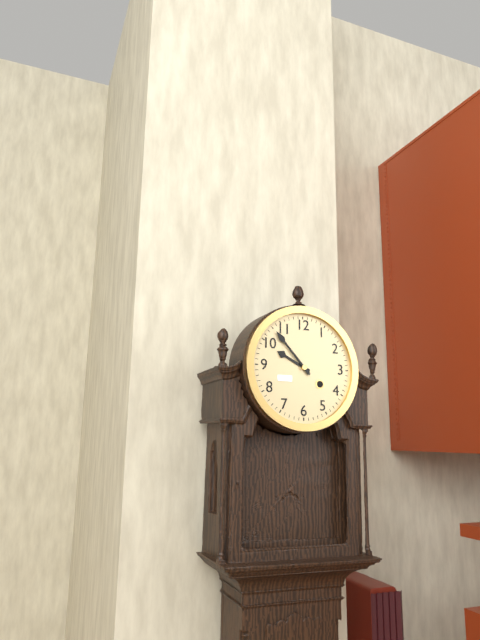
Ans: 9:53
